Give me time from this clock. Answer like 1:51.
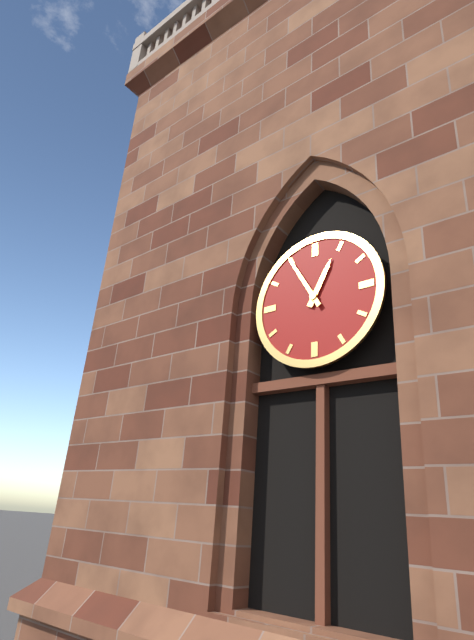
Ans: 12:55
